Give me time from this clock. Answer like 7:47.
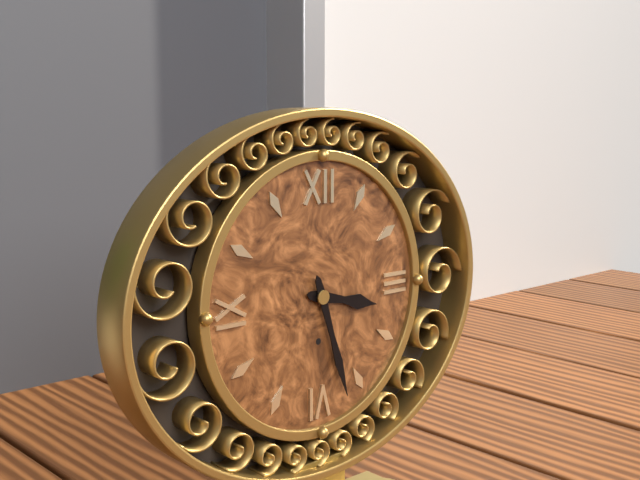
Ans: 3:27
